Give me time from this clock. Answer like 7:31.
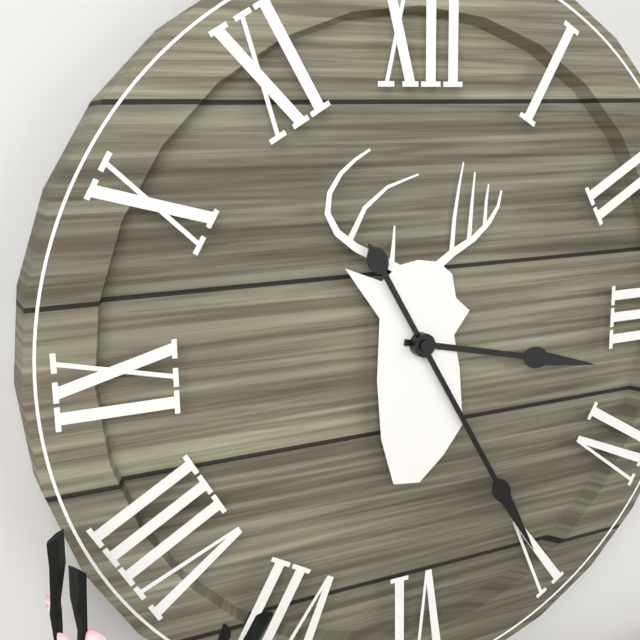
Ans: 3:25
